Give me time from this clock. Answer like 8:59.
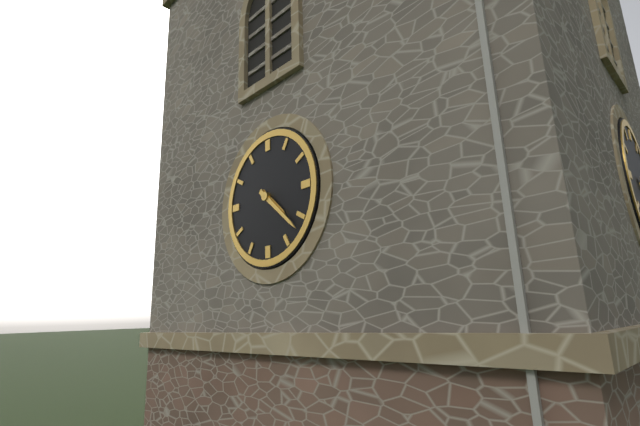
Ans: 4:22
